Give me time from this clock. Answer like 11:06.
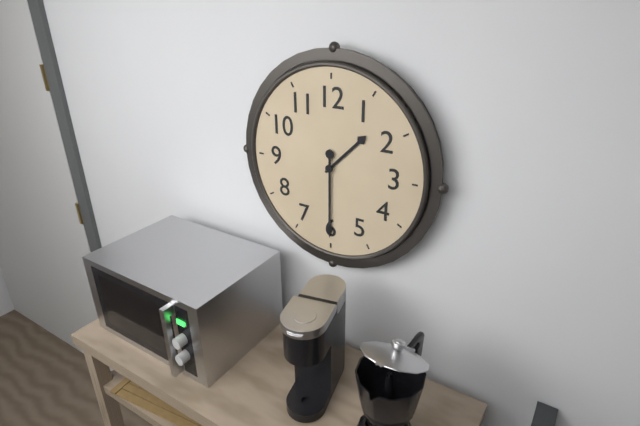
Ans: 1:30
